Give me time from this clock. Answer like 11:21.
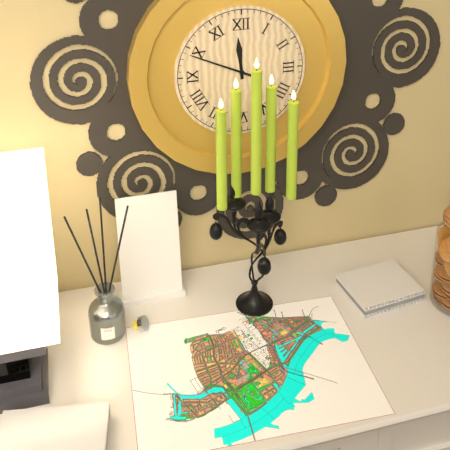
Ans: 11:49
